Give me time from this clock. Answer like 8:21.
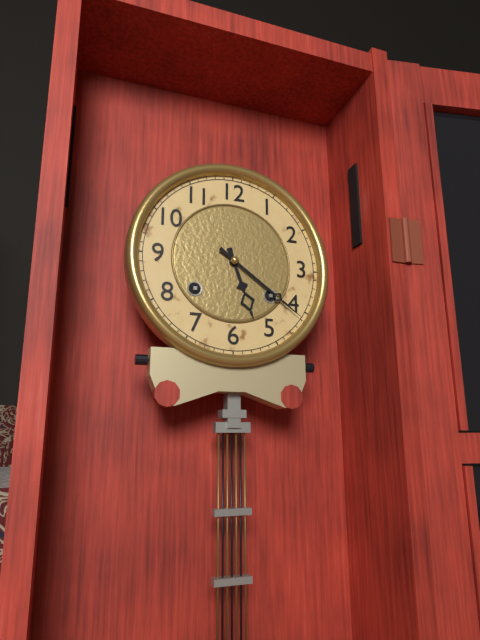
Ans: 5:21
